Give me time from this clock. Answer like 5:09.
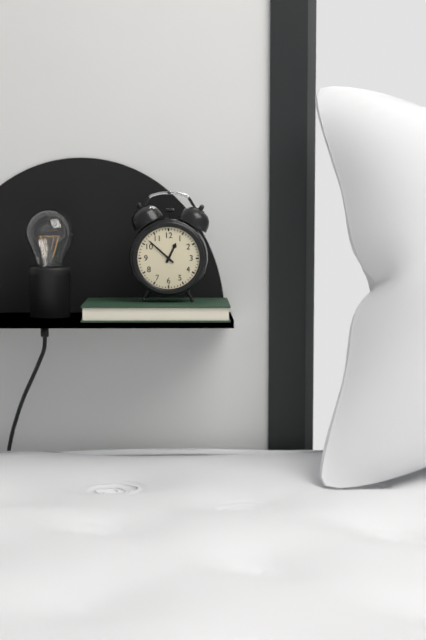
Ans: 12:52
